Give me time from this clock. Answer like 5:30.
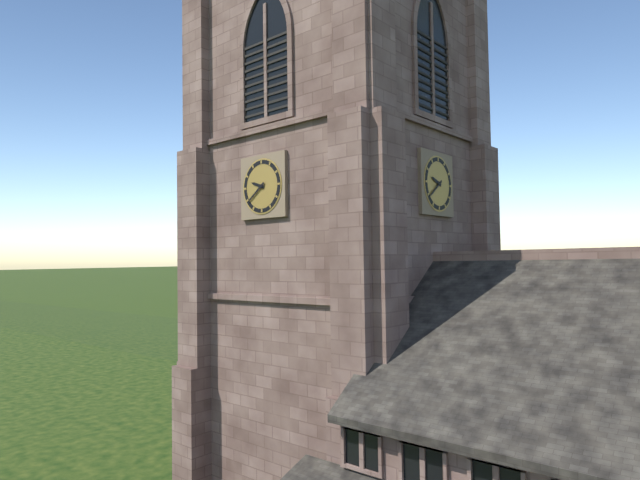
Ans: 9:39
